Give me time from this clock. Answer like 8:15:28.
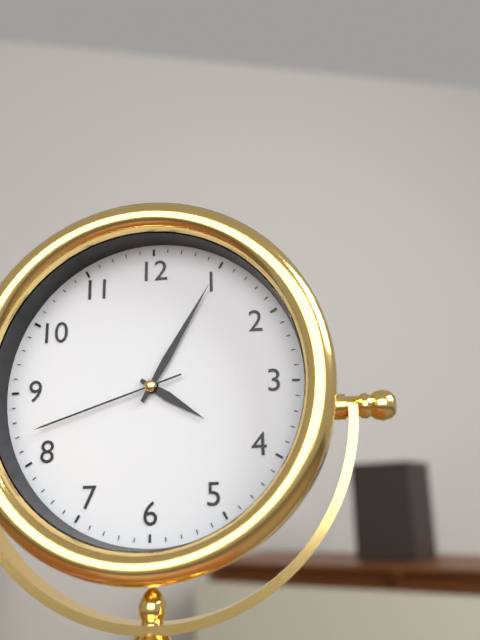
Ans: 4:05:42
